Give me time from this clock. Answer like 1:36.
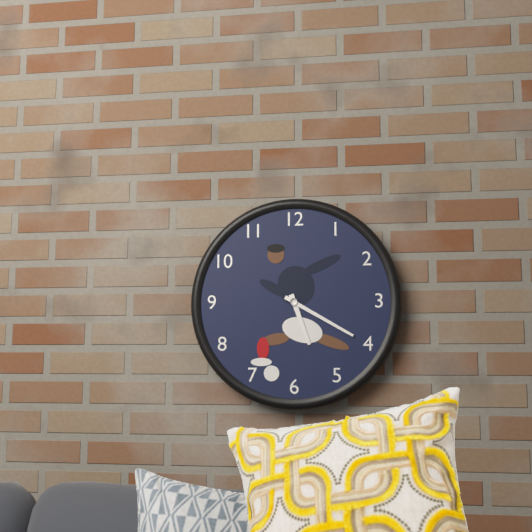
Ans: 5:20
